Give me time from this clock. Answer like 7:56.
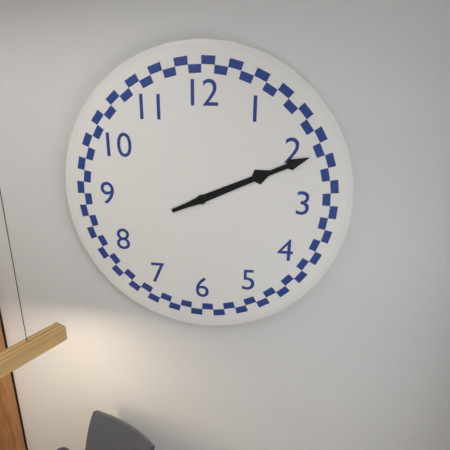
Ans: 2:11
